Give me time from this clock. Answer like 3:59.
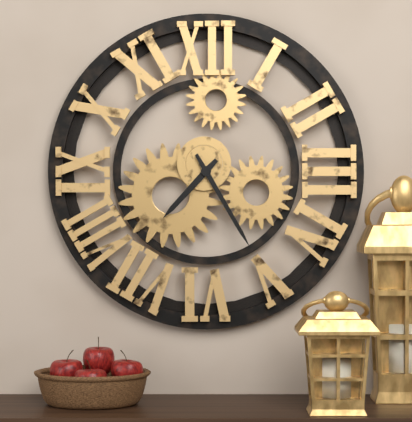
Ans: 7:25
